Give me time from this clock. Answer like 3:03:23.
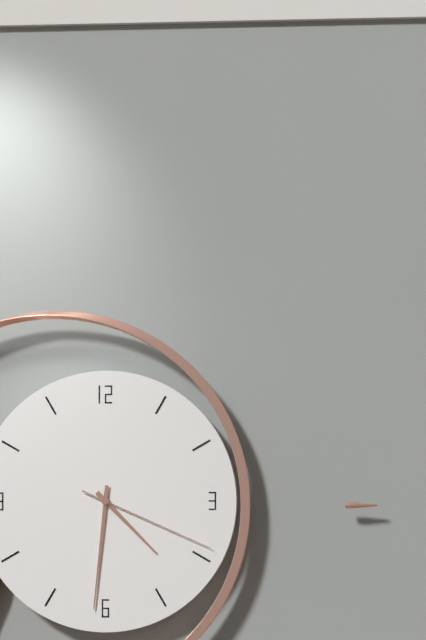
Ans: 4:31:19
